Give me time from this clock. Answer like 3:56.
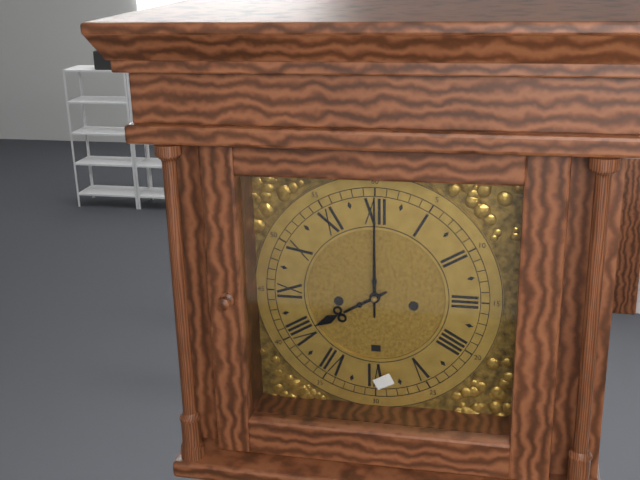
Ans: 8:00
